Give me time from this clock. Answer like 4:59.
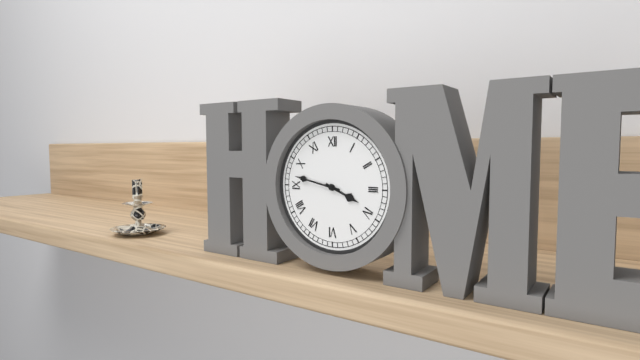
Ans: 3:47
